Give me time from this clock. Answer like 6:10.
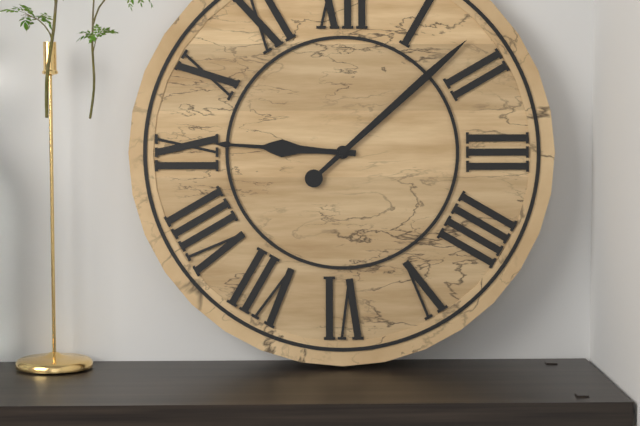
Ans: 9:08
